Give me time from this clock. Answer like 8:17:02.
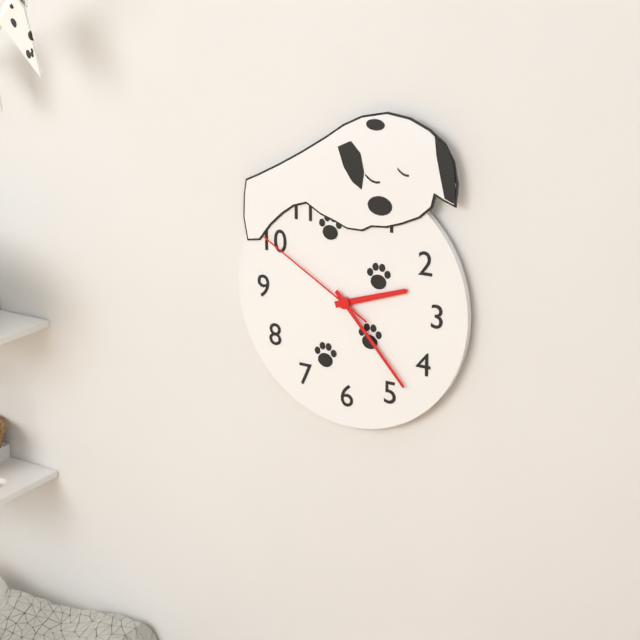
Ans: 2:23:50
